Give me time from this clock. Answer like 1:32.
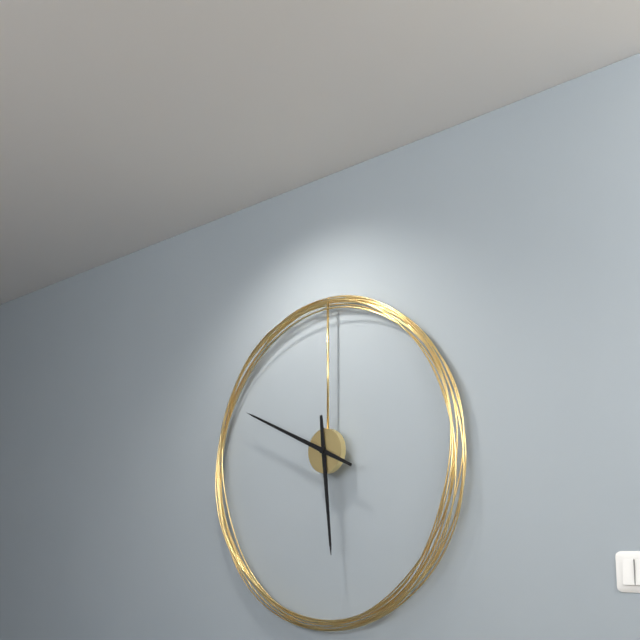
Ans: 5:49
